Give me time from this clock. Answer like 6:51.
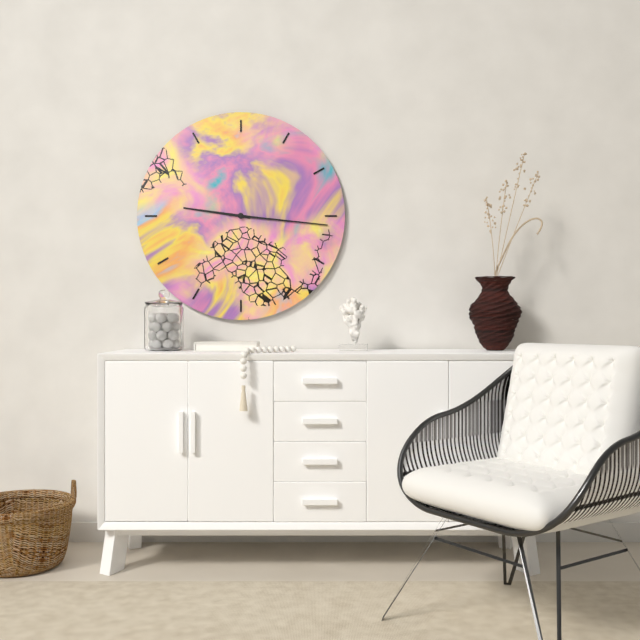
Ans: 9:16
